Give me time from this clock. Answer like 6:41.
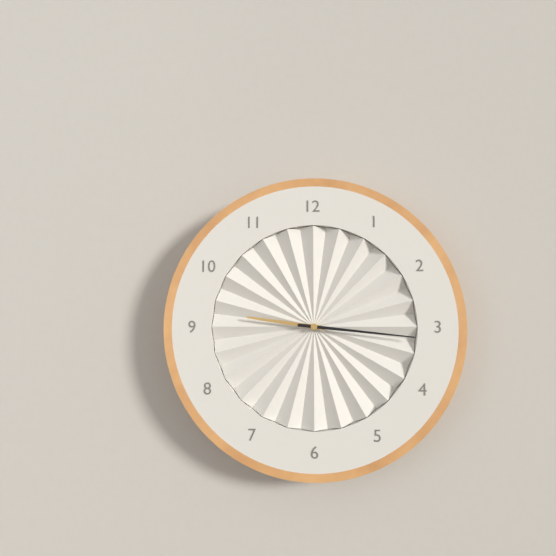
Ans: 9:16
